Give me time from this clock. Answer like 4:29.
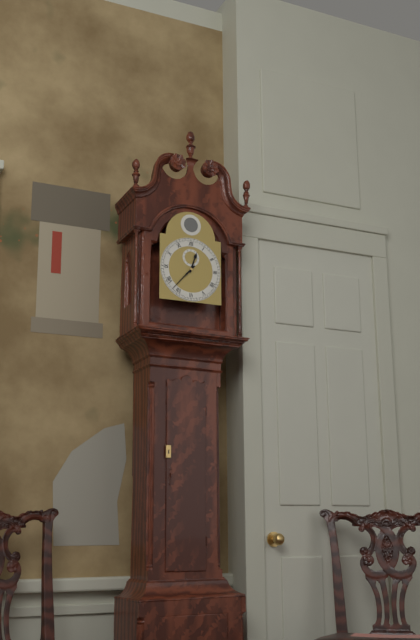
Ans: 12:37
